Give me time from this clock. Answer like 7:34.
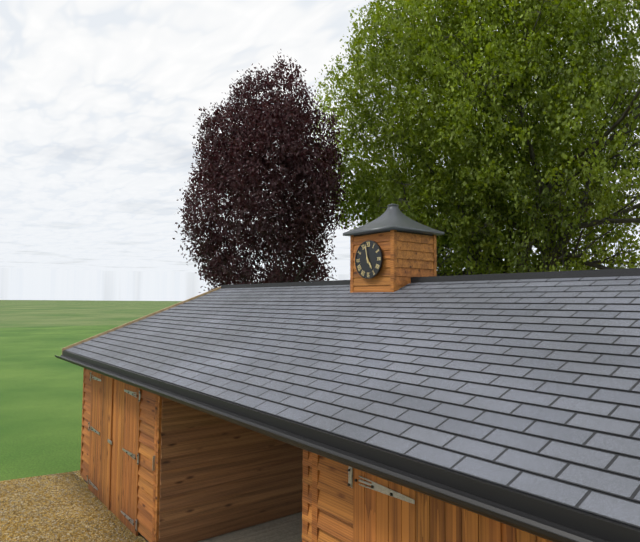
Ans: 4:58
